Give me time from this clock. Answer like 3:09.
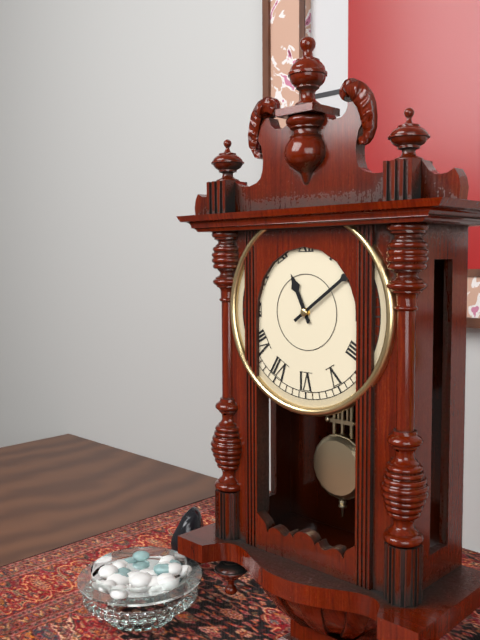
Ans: 11:09
